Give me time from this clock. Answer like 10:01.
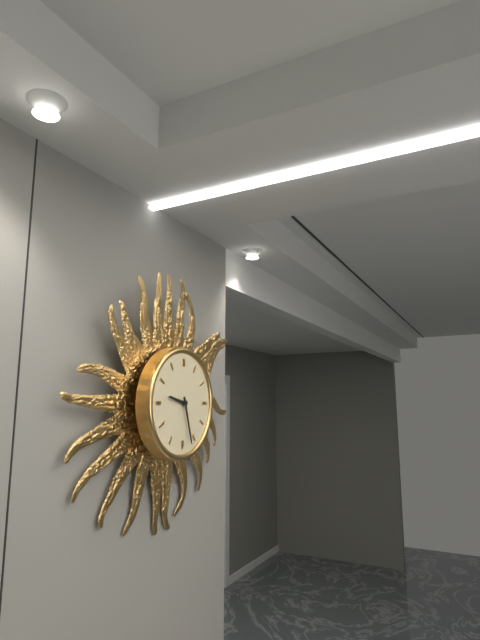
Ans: 9:27
